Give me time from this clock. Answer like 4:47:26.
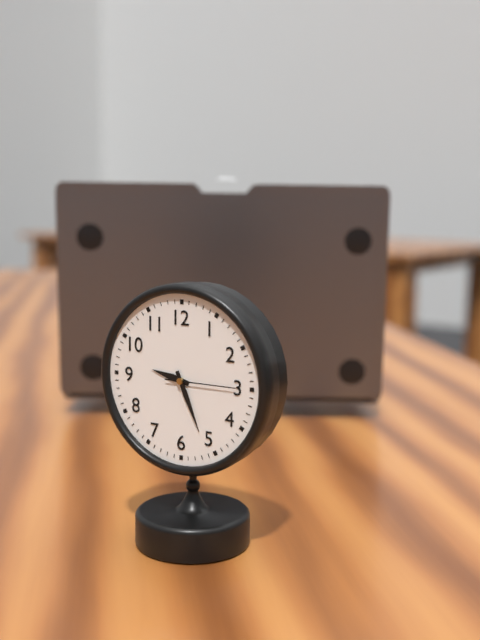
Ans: 9:26:15
